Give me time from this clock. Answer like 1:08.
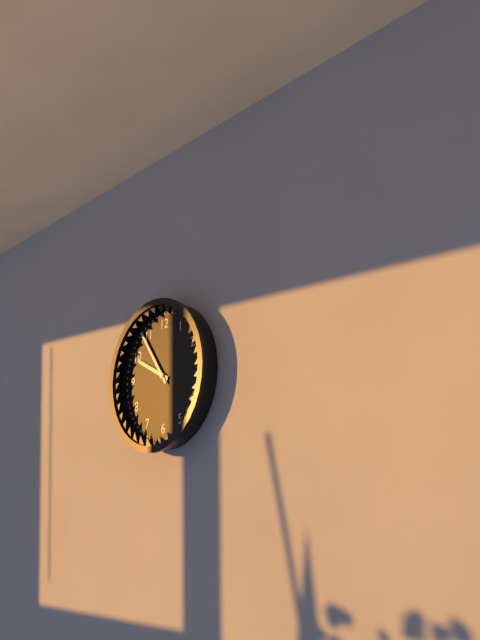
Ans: 9:54
